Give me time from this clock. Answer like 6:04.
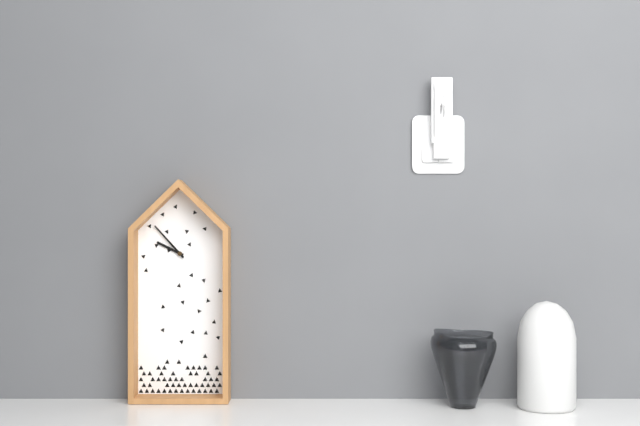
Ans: 9:53
